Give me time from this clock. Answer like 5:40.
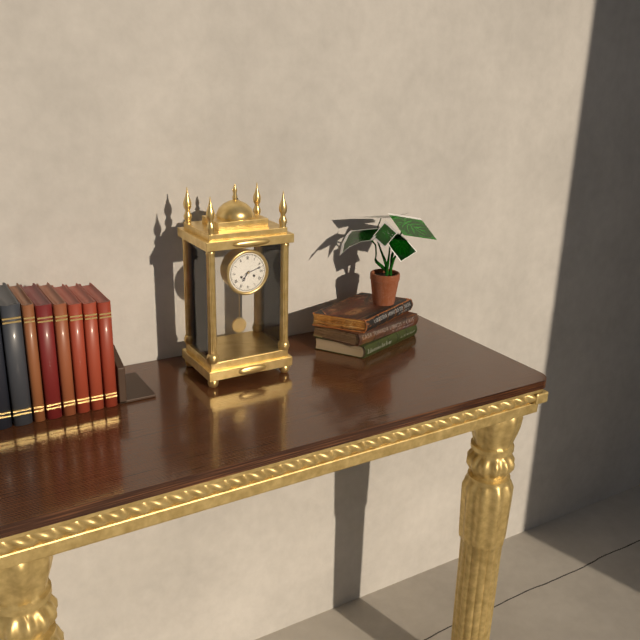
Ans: 7:12
